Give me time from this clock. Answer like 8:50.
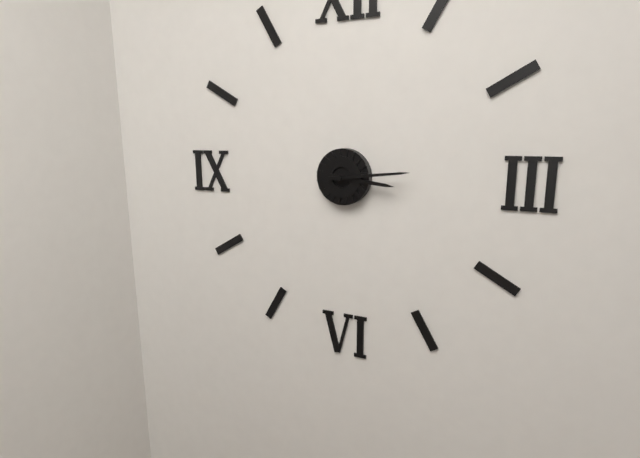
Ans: 3:14
